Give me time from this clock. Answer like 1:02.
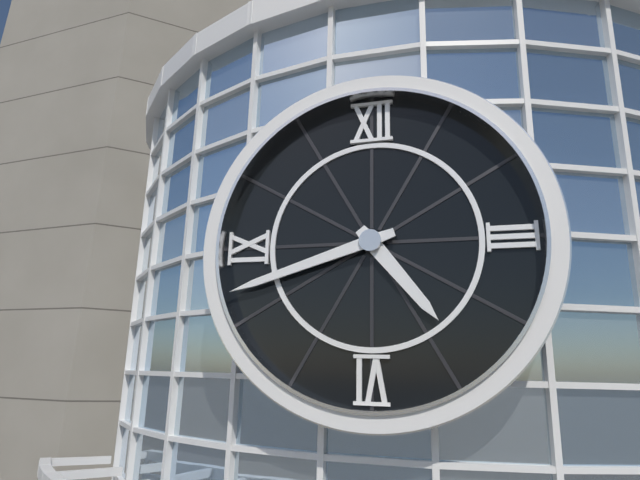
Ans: 4:42
